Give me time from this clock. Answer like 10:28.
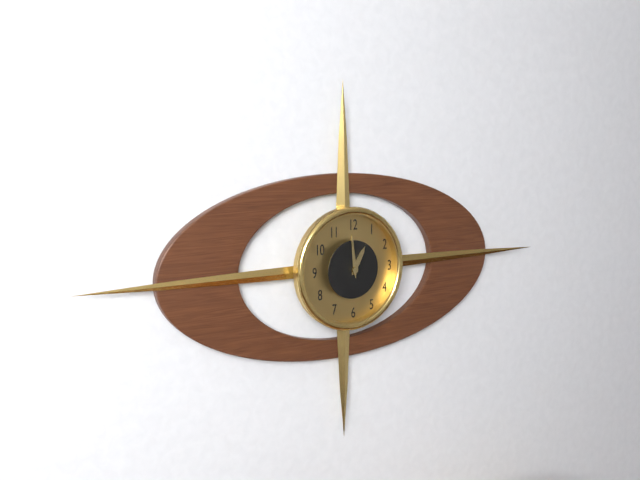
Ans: 12:59
